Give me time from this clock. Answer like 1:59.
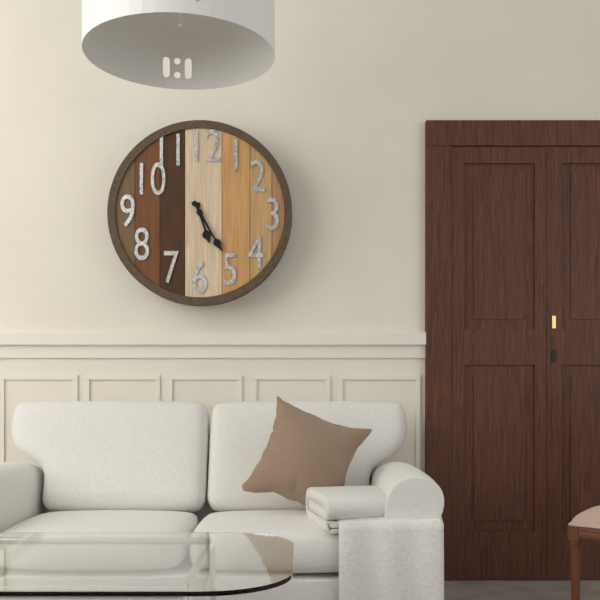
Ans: 5:25
